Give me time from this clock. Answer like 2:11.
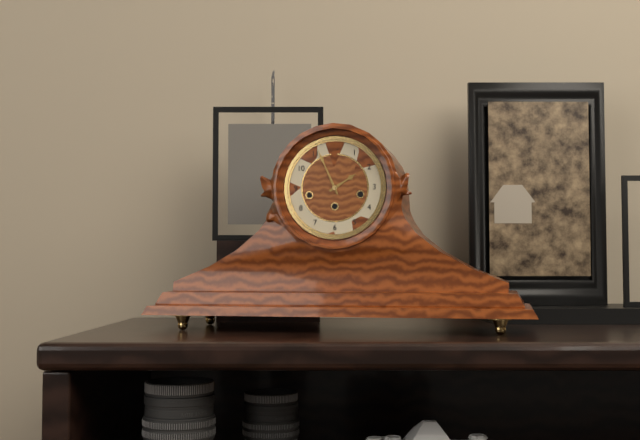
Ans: 1:56
